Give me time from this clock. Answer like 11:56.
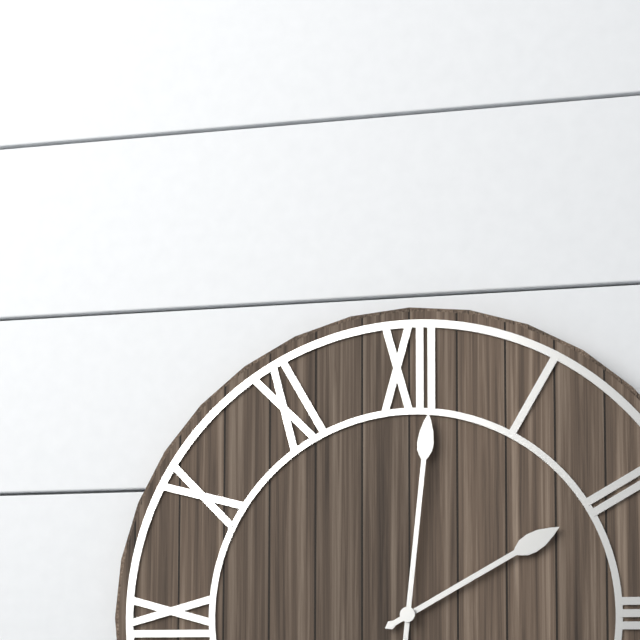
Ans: 2:01
